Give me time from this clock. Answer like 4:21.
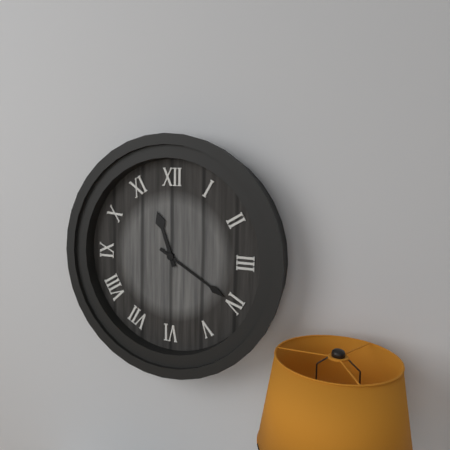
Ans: 11:20
